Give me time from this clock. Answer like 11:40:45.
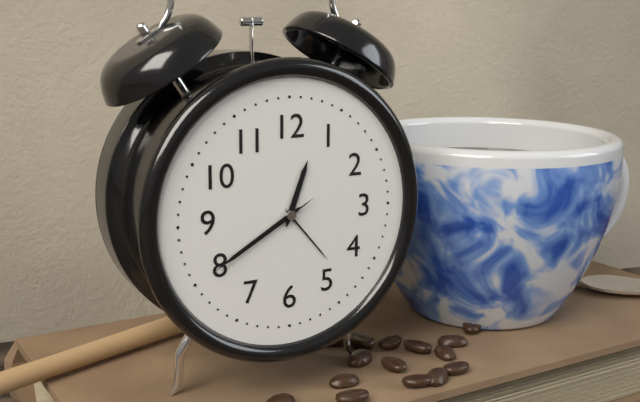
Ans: 12:40:40
